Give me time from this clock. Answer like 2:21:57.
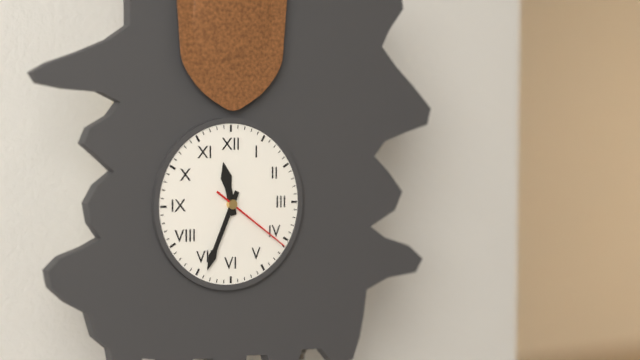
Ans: 11:34:21
